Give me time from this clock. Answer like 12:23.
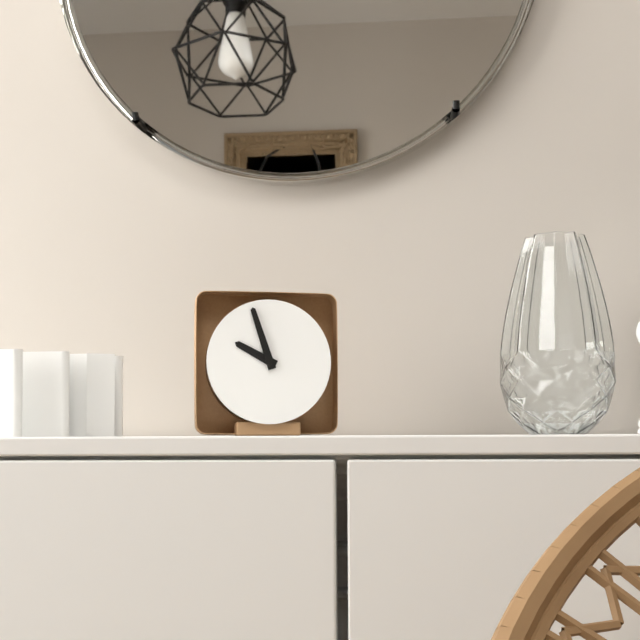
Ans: 9:57
